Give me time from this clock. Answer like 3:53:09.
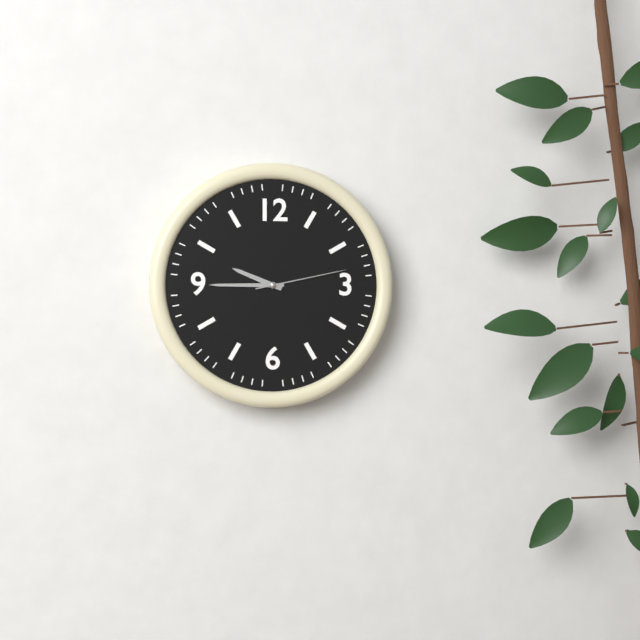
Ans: 9:45:13
